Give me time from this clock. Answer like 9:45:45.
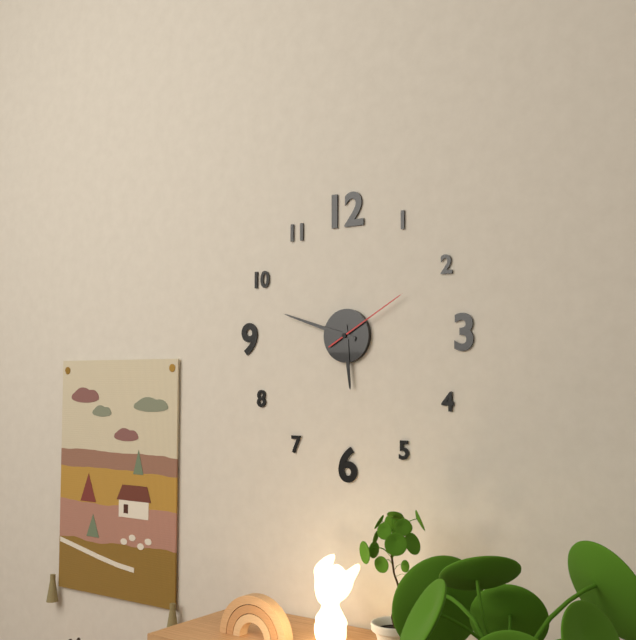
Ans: 5:48:10
